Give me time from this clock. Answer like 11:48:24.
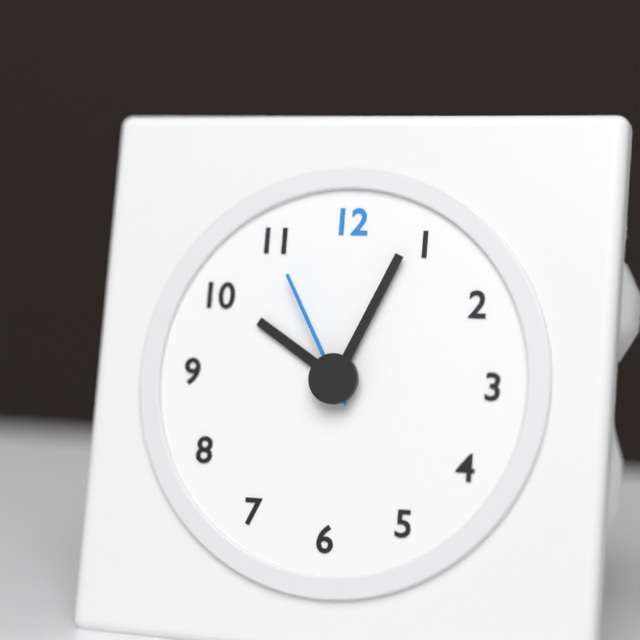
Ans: 10:04:55
